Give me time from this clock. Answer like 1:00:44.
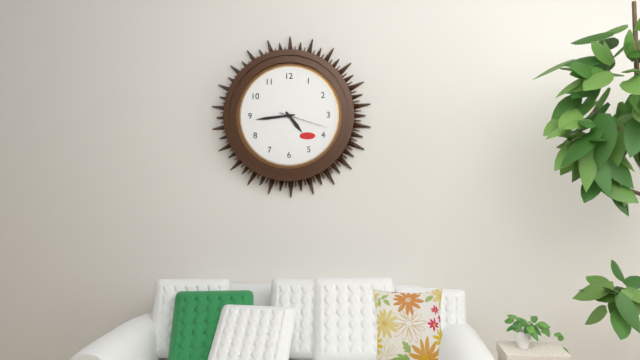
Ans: 4:44:18
